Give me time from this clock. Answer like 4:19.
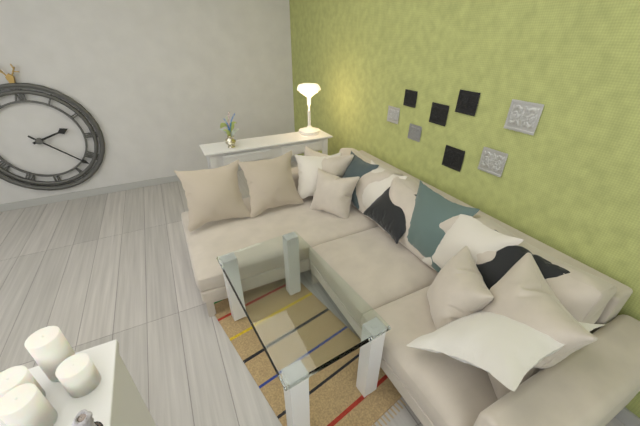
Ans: 2:22
